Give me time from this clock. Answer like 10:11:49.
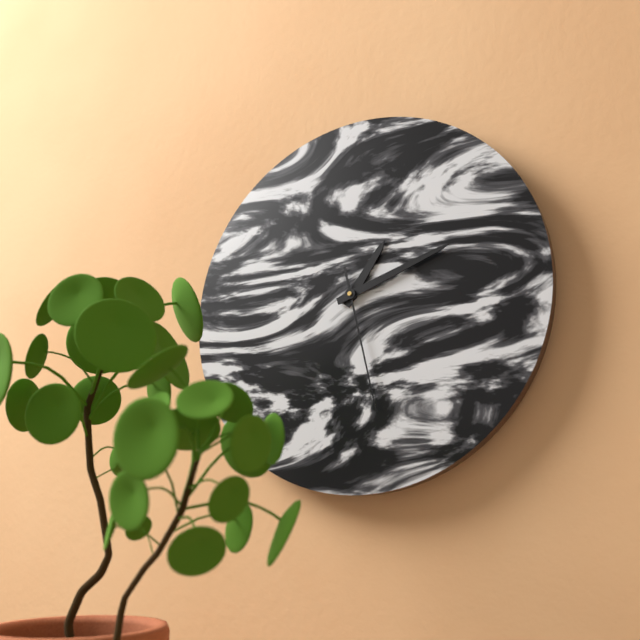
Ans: 1:12:28
